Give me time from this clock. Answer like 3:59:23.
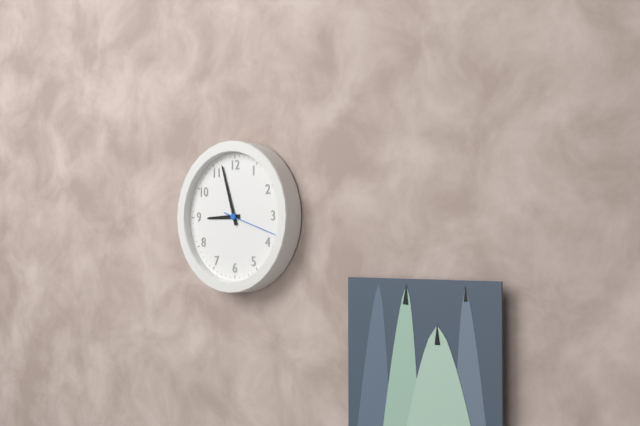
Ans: 8:57:18
